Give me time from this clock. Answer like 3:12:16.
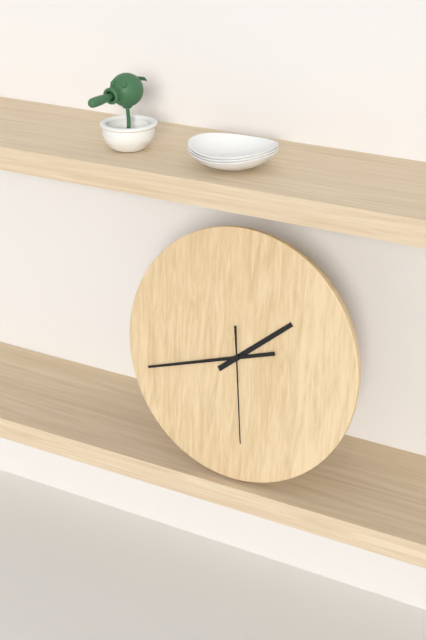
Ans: 1:42:29
